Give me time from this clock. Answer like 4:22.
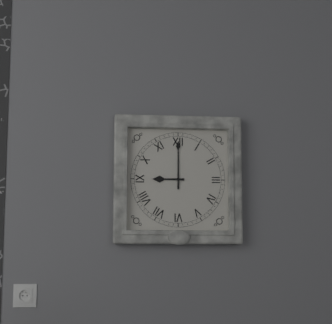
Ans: 9:00
